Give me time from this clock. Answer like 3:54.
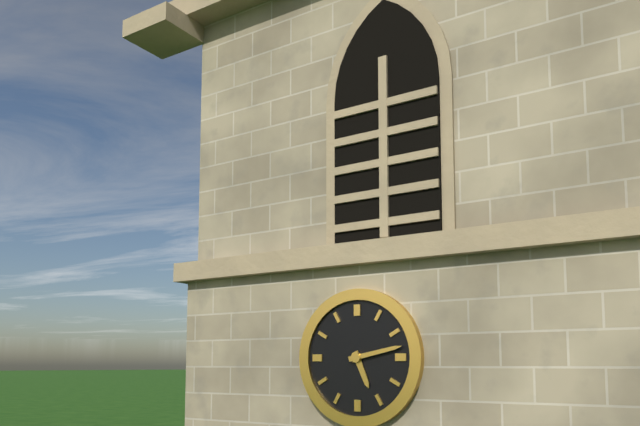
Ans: 5:13
